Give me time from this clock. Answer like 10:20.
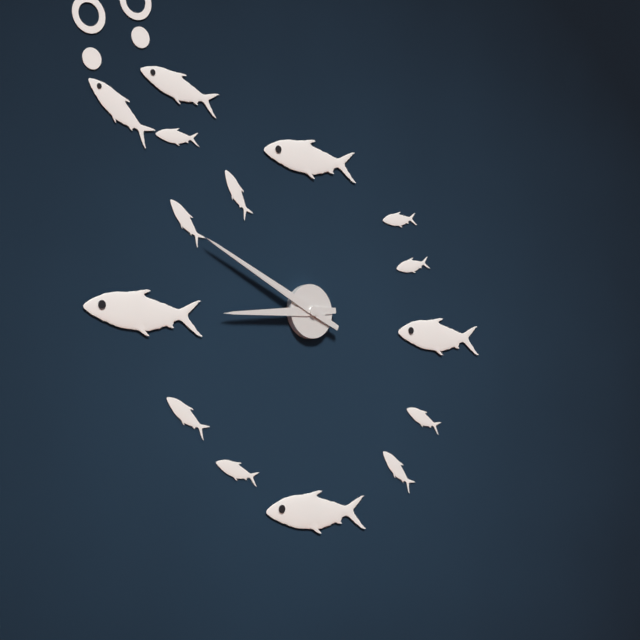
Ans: 8:49
